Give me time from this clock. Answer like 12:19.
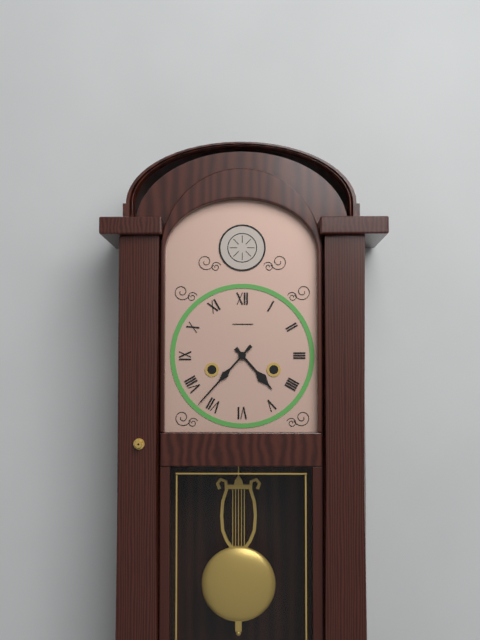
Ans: 4:37
